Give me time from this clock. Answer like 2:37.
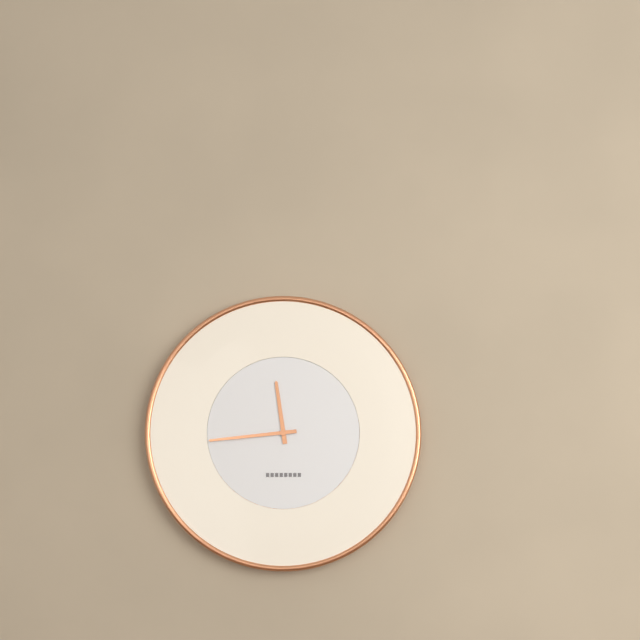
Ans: 11:44
